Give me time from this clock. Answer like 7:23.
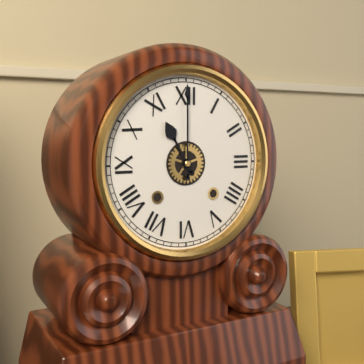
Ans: 11:00
